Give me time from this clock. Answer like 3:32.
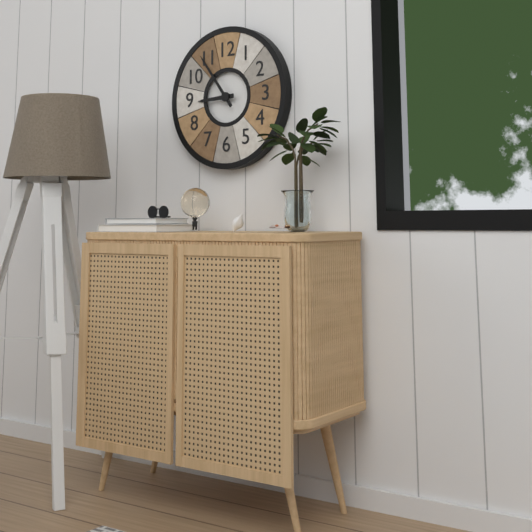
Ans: 8:54
